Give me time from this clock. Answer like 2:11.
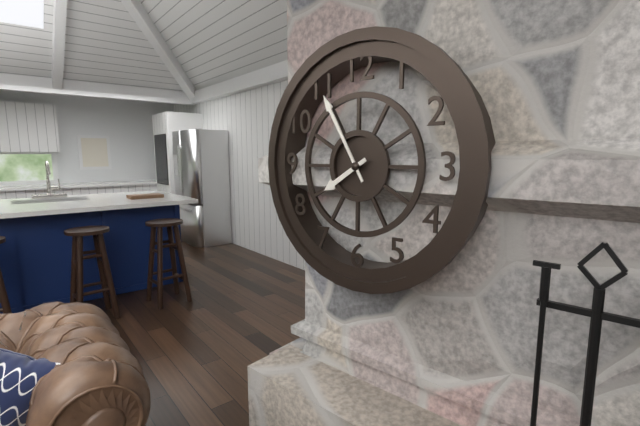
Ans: 7:55
